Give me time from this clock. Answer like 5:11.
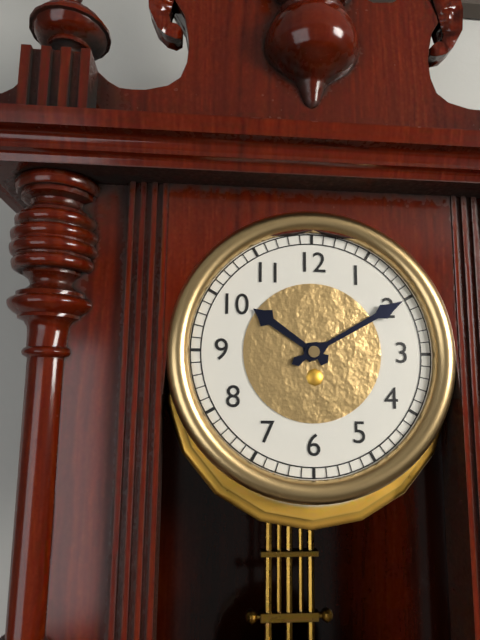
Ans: 10:10
